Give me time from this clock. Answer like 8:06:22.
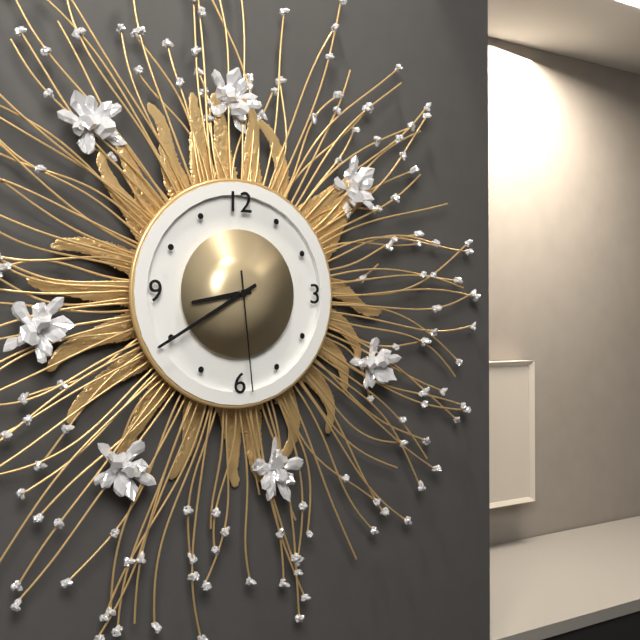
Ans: 8:40:29
